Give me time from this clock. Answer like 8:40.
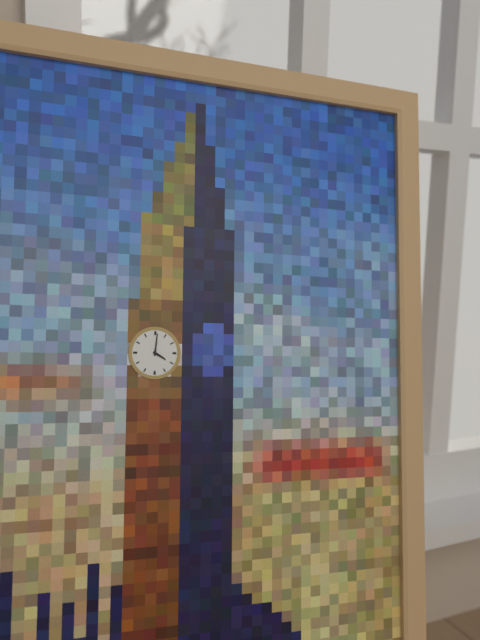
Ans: 4:01
